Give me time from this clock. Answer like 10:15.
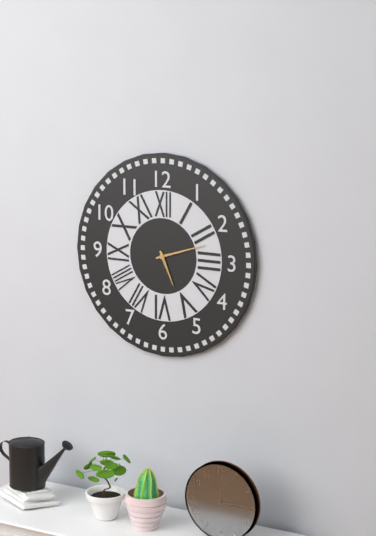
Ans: 5:12
